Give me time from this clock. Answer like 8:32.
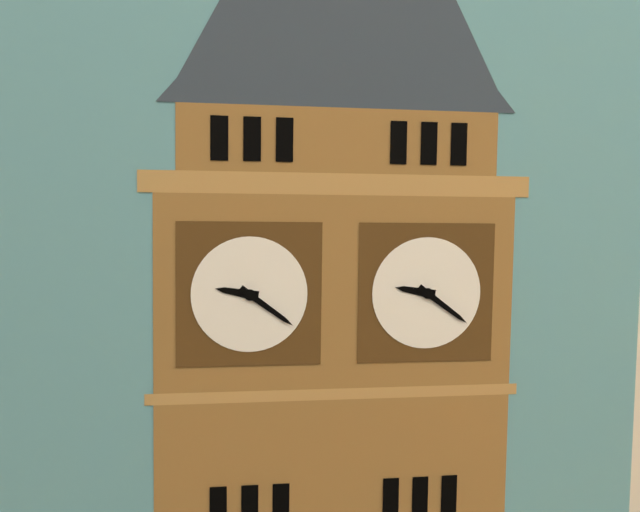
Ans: 9:21
